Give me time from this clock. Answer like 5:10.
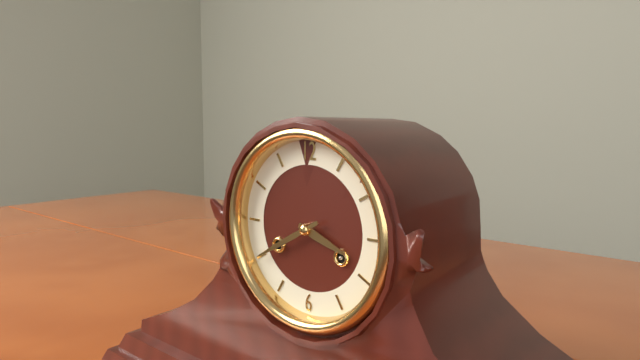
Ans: 3:40
